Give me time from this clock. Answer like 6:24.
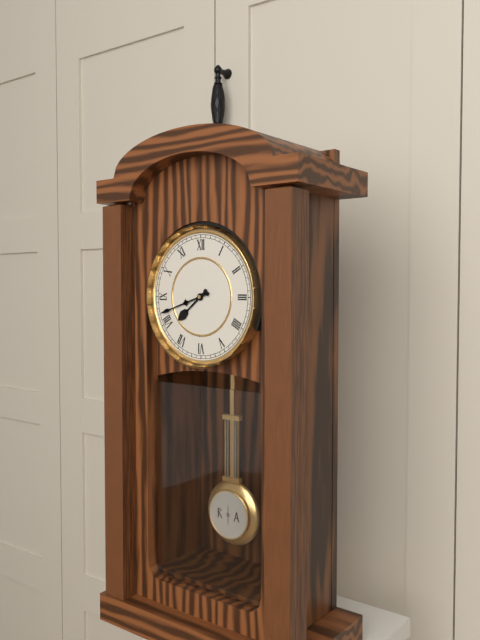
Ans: 7:42
